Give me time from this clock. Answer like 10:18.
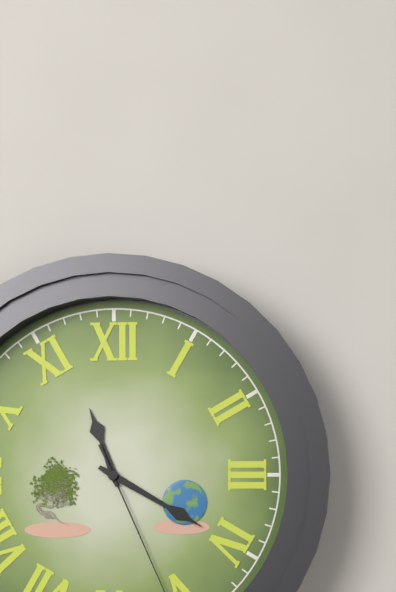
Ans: 11:20
